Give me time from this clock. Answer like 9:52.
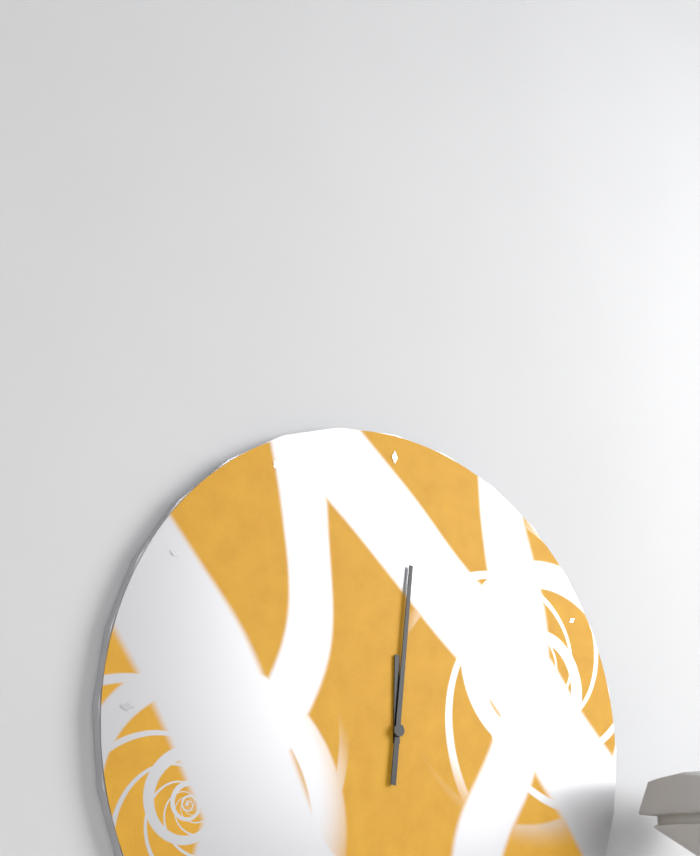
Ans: 12:01
